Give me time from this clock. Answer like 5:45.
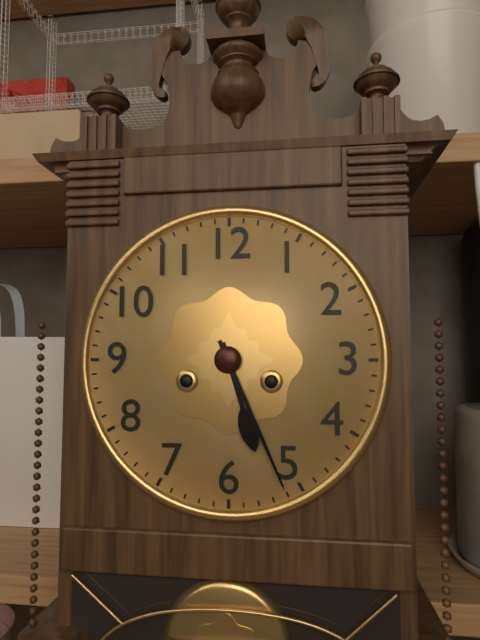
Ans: 5:26
